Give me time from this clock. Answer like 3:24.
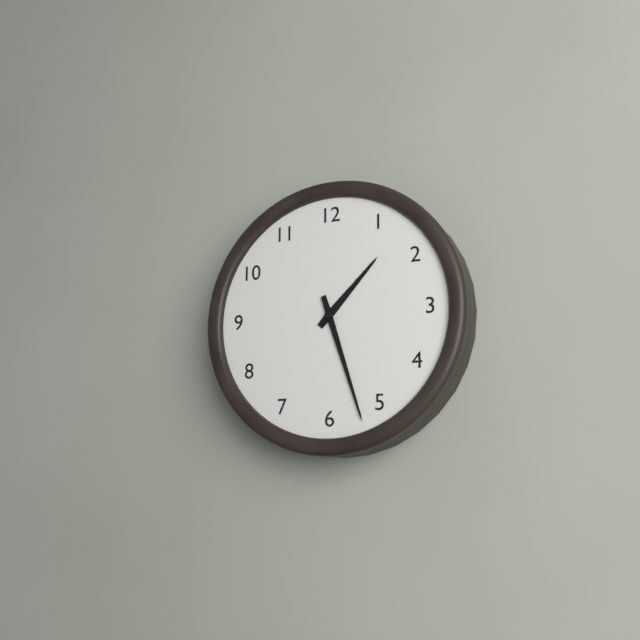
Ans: 1:27
